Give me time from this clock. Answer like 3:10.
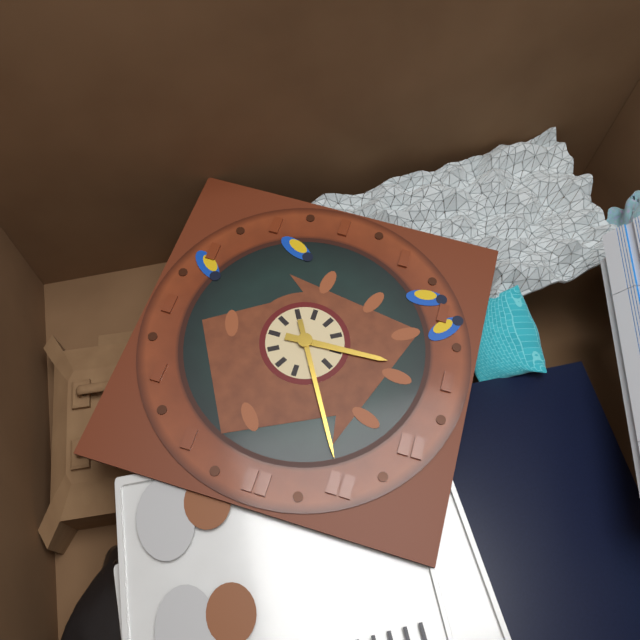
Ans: 8:55
